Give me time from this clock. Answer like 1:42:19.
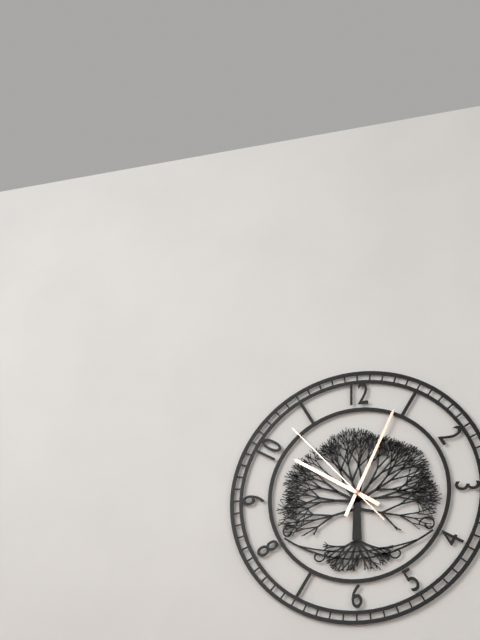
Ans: 10:04:53
